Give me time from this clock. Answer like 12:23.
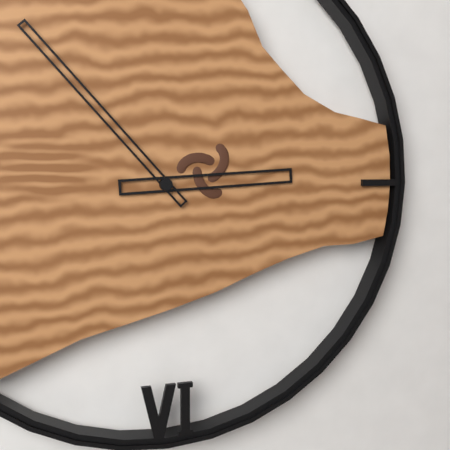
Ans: 2:53
